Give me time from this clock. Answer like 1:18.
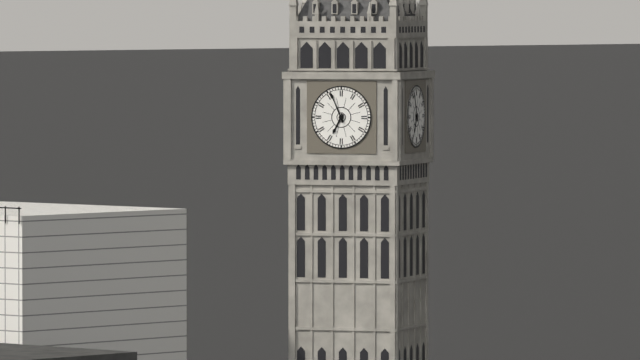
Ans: 6:56
